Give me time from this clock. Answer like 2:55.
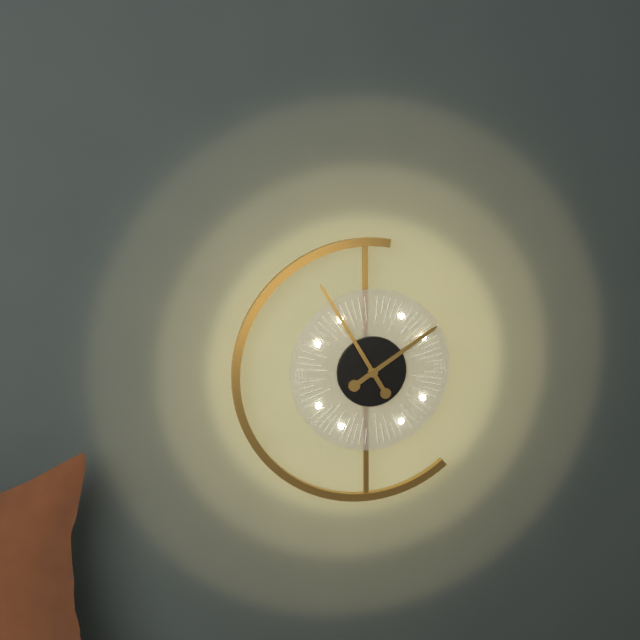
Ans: 1:55
